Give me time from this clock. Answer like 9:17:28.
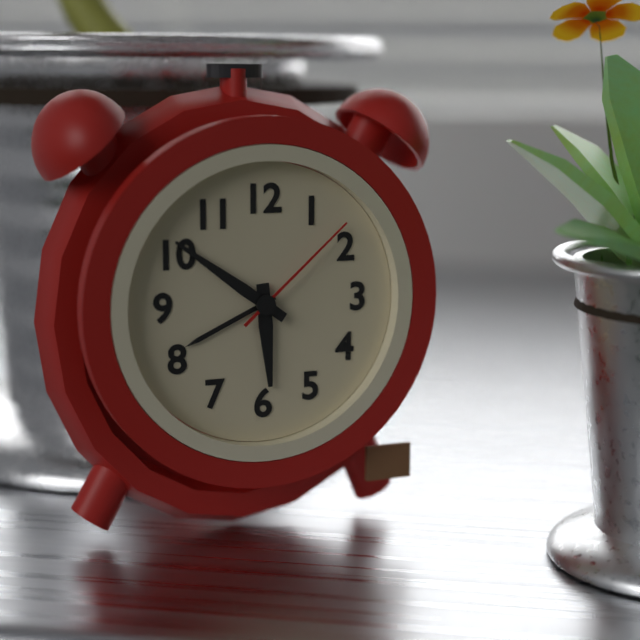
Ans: 5:51:08
